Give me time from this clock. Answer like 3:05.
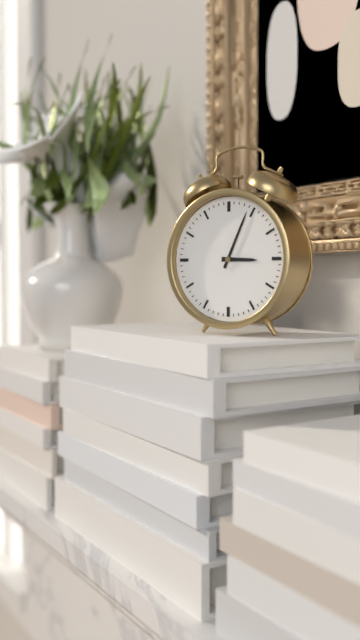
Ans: 3:04
